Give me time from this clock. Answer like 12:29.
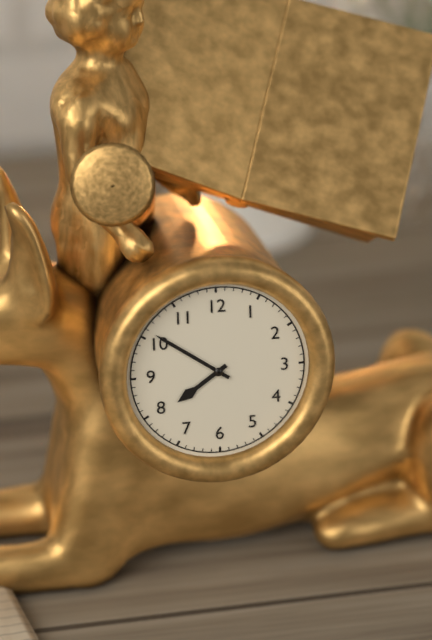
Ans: 7:51
